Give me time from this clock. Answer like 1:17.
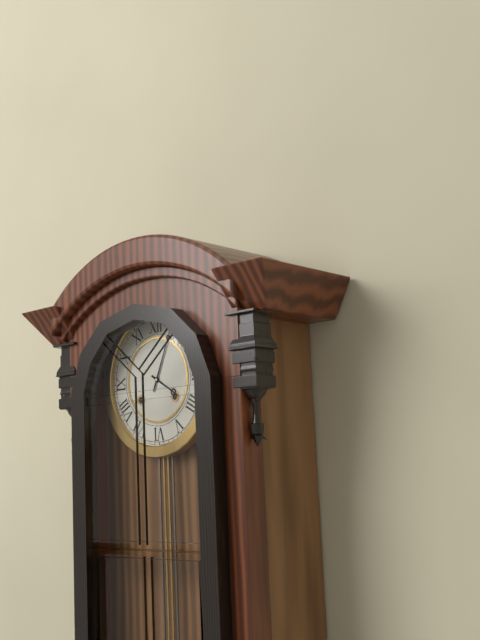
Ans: 4:04
